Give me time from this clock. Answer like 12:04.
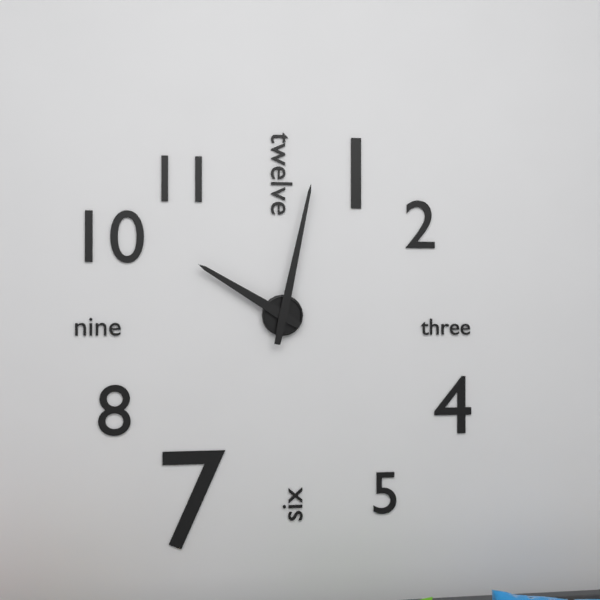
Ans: 10:02
